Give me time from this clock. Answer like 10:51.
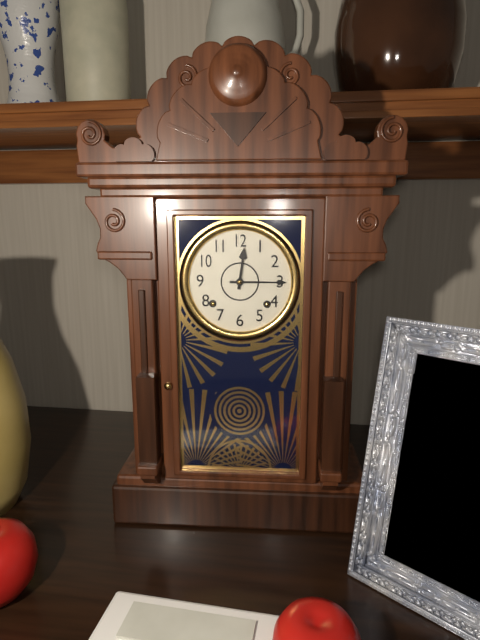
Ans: 12:15
